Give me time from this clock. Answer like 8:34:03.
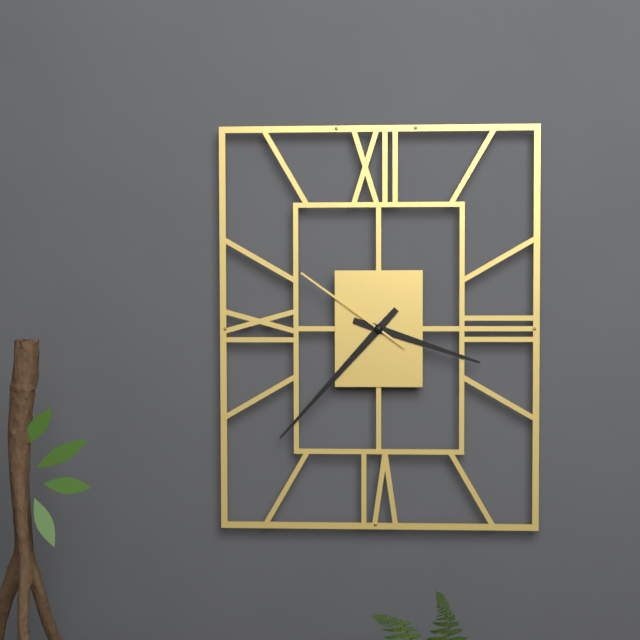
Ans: 3:37:51
